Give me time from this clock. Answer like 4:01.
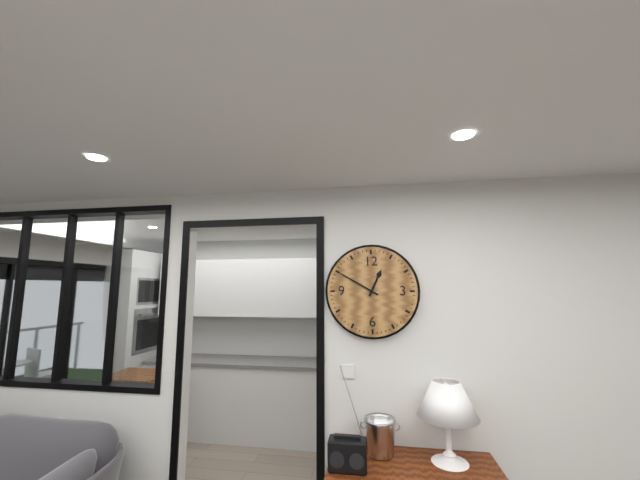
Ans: 12:50
